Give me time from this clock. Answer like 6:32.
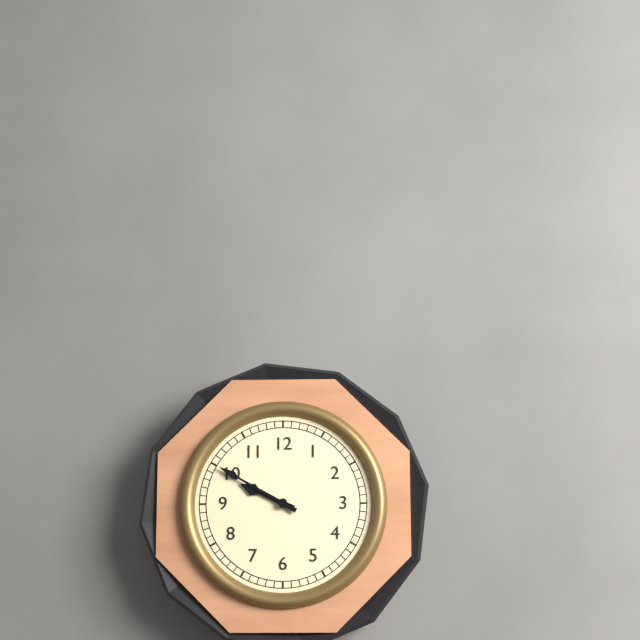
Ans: 9:50
